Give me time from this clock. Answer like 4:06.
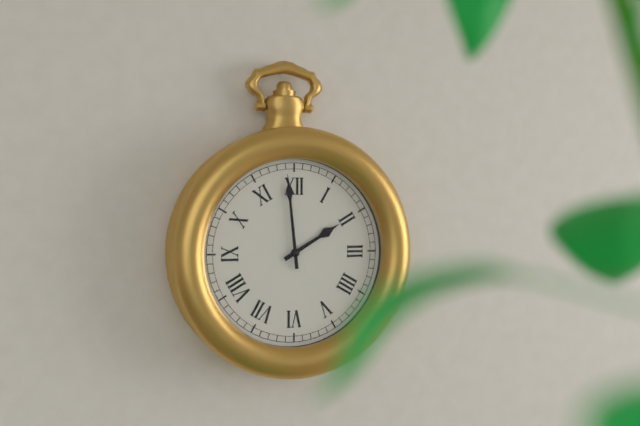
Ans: 1:59
